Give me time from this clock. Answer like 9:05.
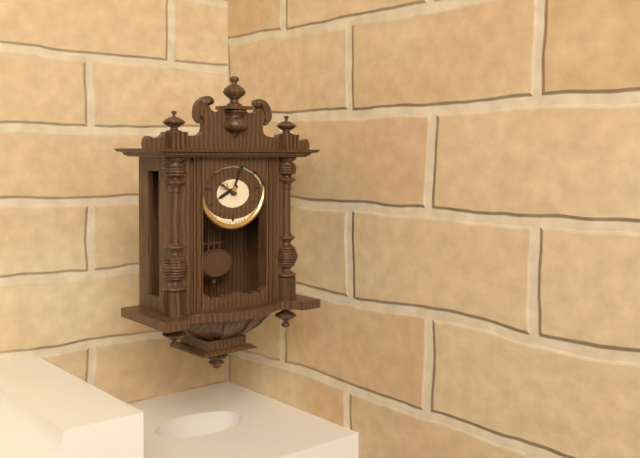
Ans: 8:04
